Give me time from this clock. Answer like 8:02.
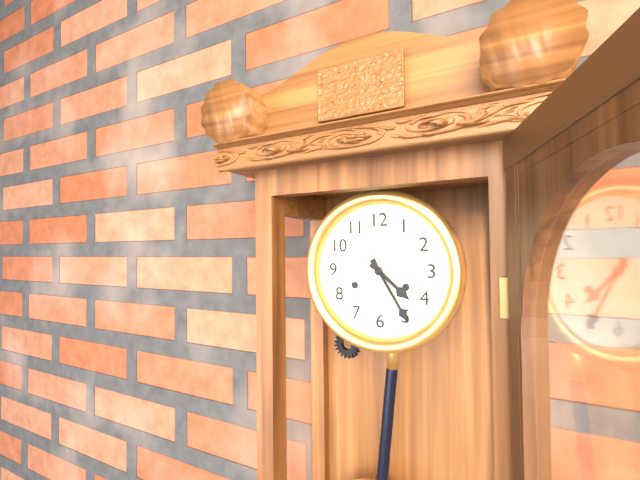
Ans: 4:25
